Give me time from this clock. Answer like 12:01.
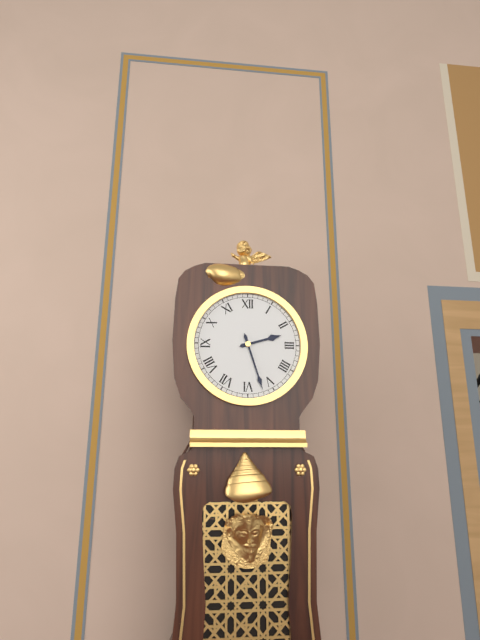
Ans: 2:27
